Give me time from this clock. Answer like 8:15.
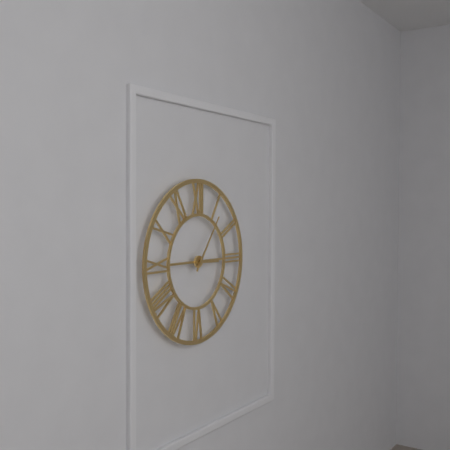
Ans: 3:06
